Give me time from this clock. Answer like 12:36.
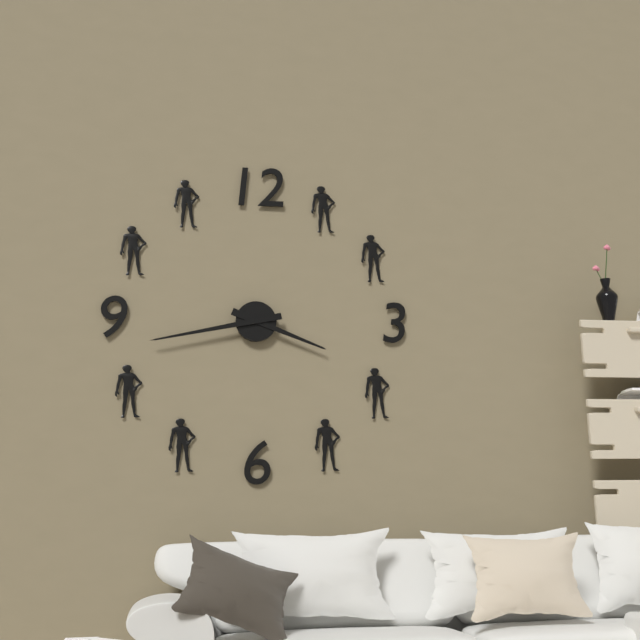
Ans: 3:43
